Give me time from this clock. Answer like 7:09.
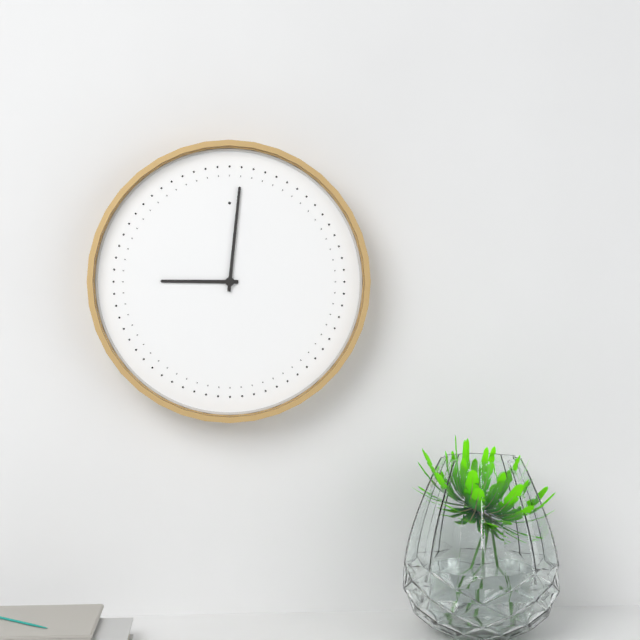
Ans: 9:01
